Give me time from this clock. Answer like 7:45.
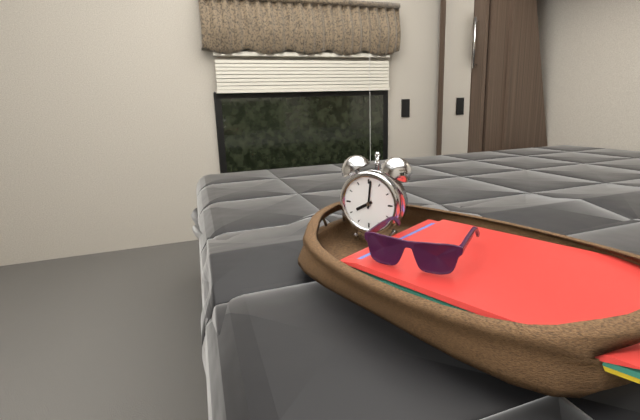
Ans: 8:01
